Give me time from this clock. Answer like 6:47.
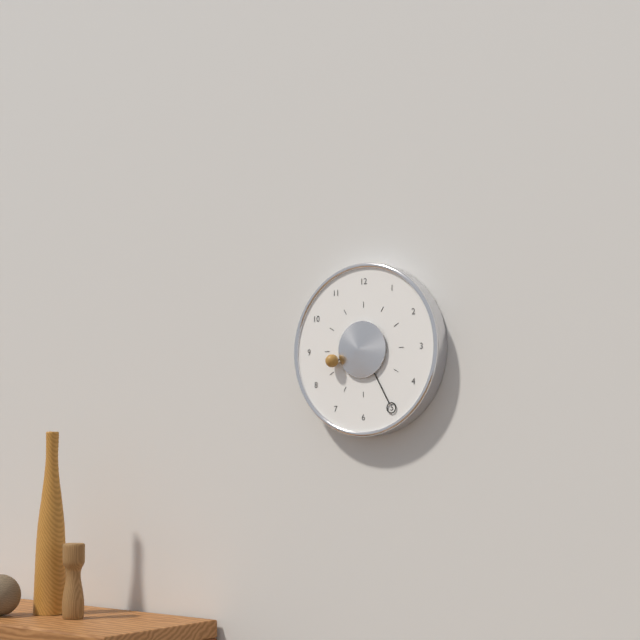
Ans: 8:25
